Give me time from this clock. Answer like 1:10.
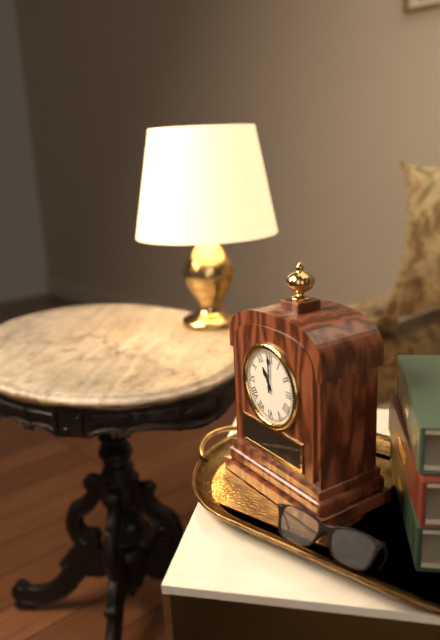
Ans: 11:00
